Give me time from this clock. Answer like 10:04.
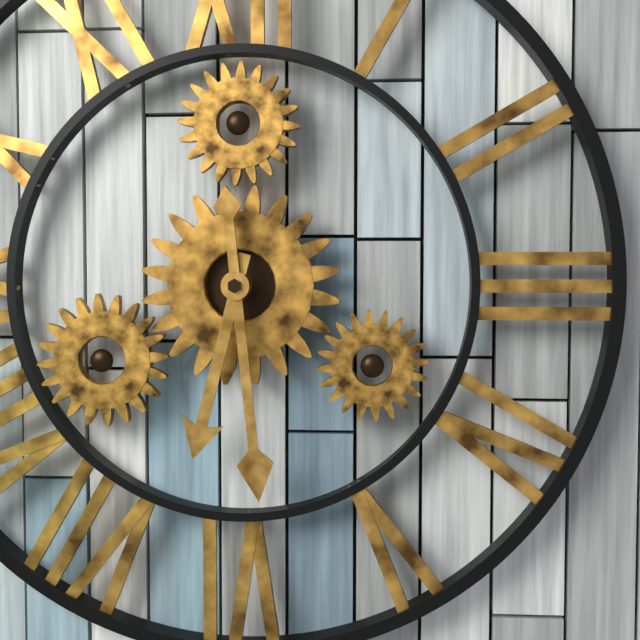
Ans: 6:29
